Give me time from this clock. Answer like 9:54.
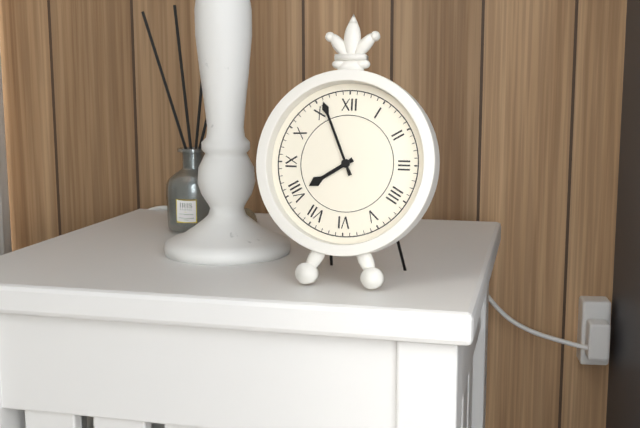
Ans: 7:56
